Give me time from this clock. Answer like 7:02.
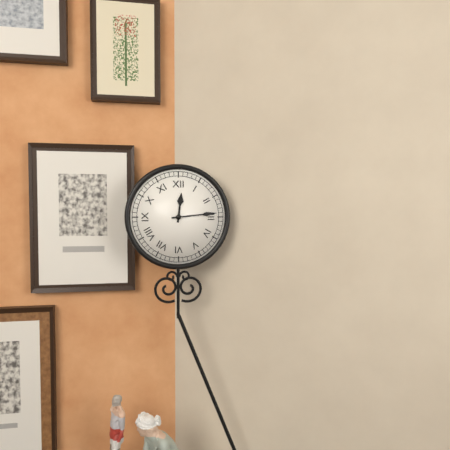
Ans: 12:14
